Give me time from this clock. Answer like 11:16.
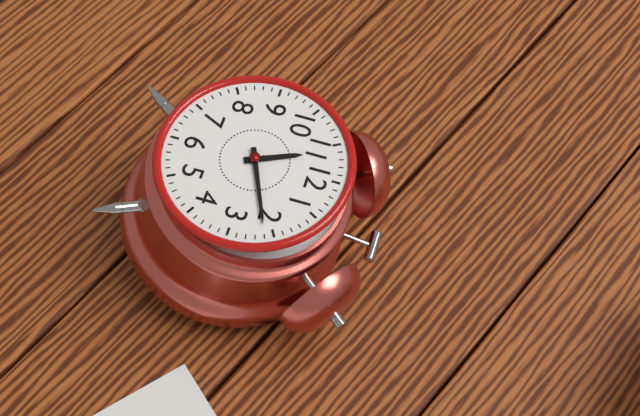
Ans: 11:11
